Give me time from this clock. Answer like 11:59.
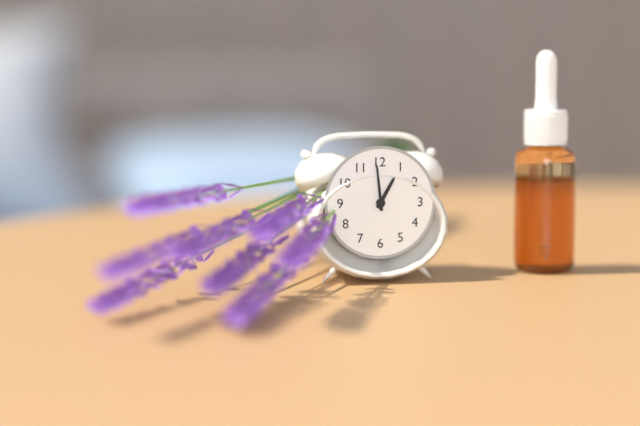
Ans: 12:59
